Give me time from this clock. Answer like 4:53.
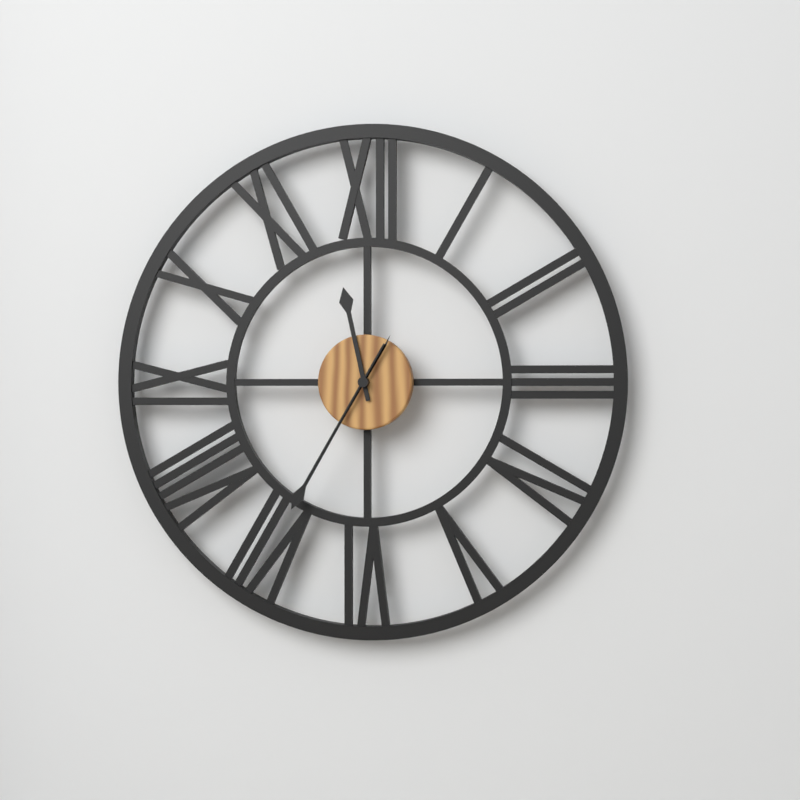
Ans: 11:35
